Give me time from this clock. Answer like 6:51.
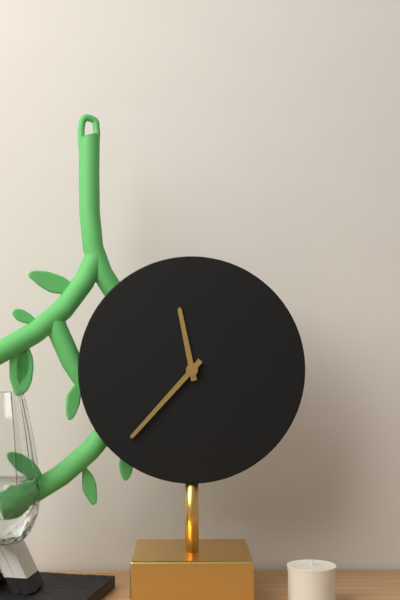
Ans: 11:37
